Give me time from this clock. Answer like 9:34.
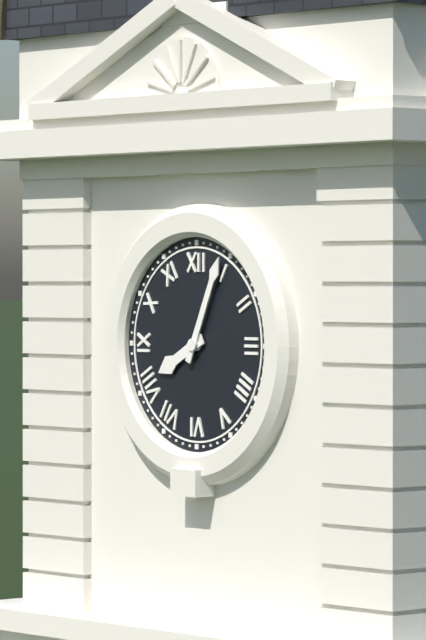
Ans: 8:04
